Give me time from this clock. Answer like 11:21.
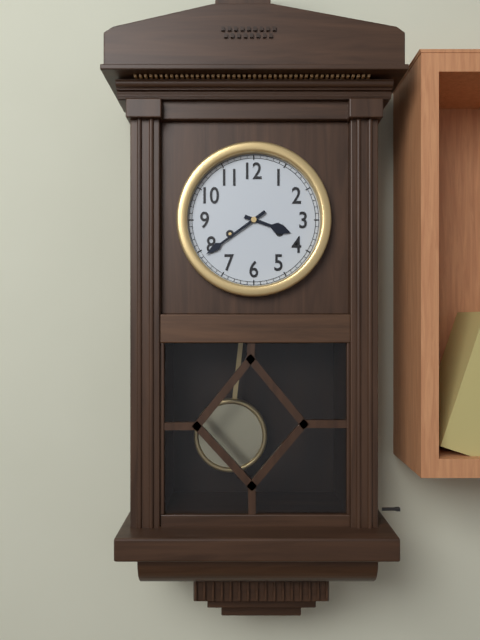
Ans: 3:39
